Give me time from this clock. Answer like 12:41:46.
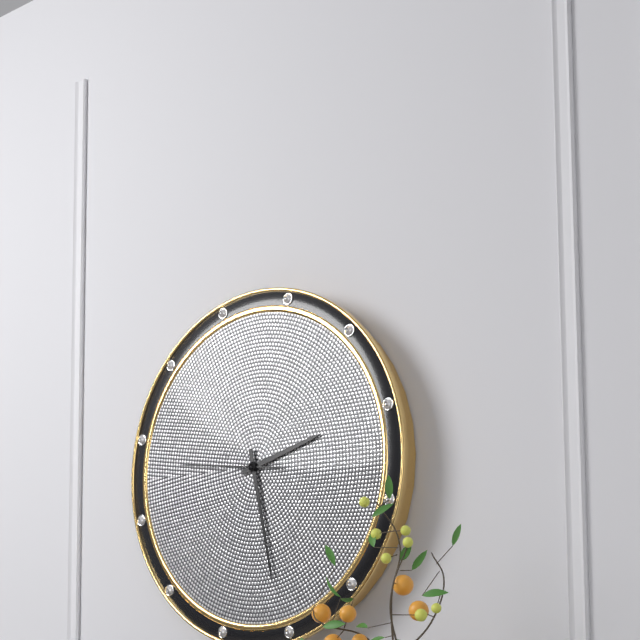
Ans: 2:28:46
